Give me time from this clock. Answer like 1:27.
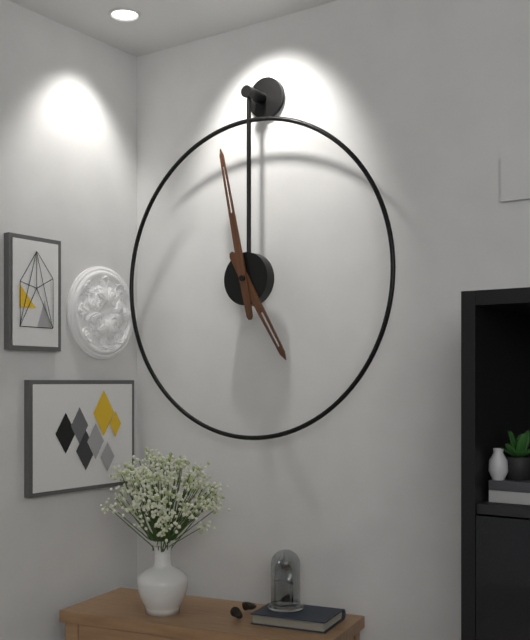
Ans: 4:58
